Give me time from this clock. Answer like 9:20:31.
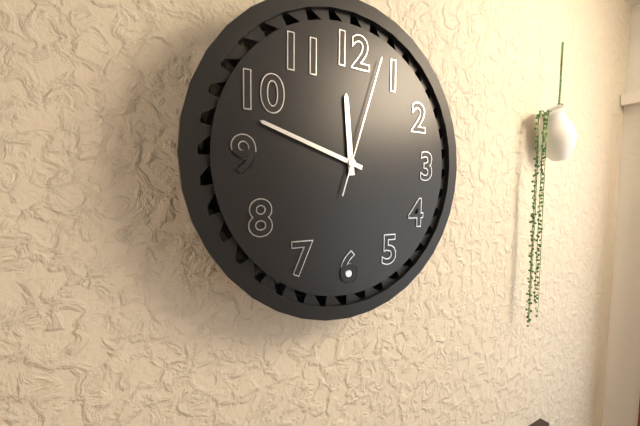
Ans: 11:48:03
